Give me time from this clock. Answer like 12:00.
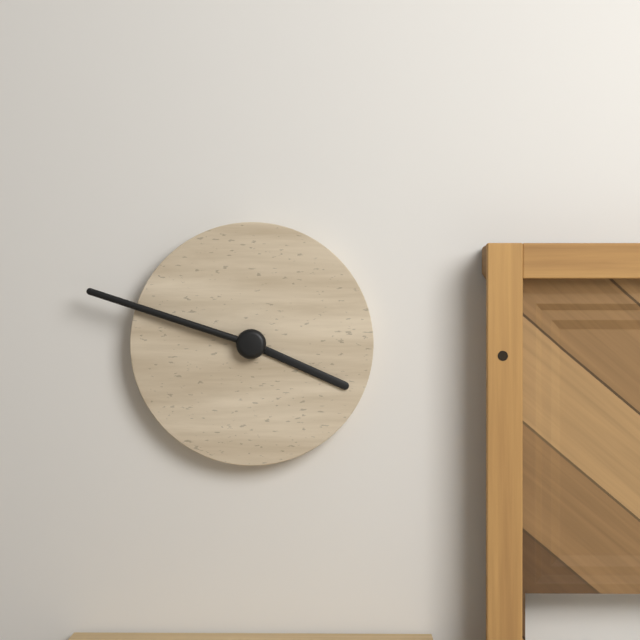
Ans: 3:48
